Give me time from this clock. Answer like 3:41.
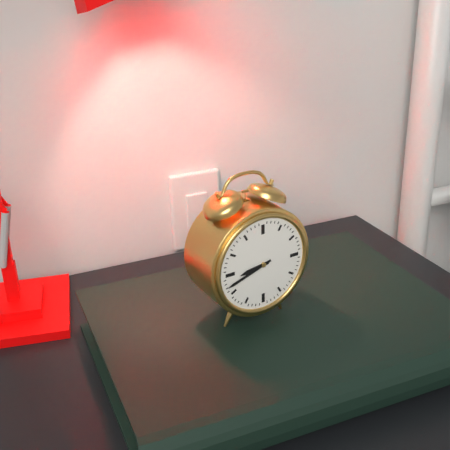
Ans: 8:42
